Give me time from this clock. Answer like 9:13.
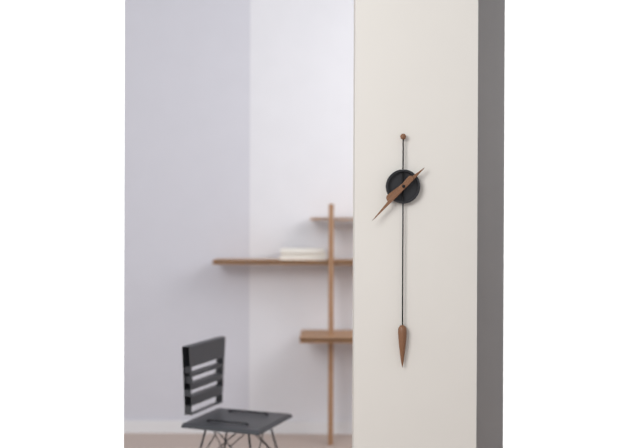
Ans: 1:37
